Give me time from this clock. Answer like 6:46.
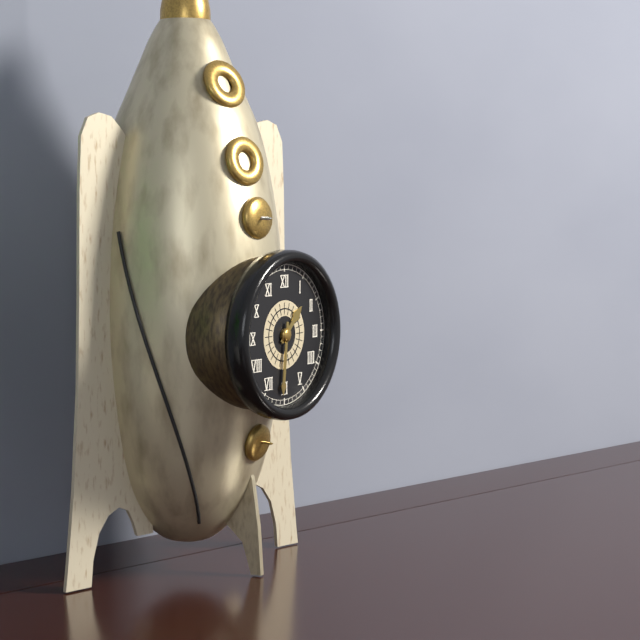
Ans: 1:31
